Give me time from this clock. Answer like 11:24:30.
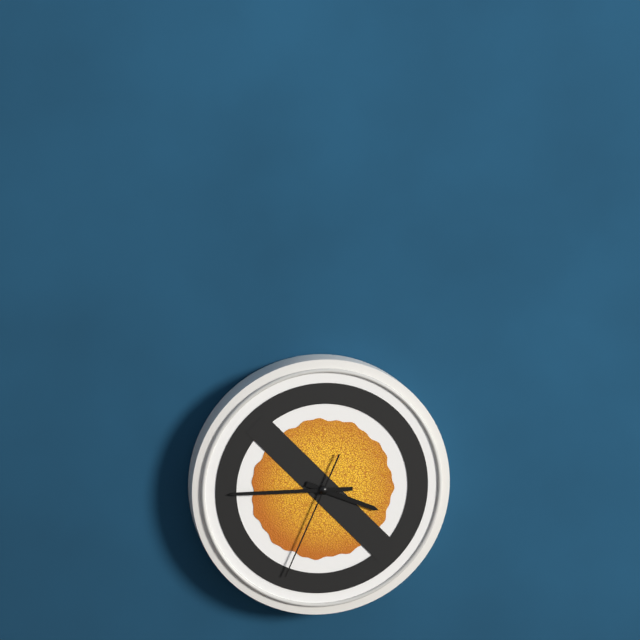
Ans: 3:45:34
